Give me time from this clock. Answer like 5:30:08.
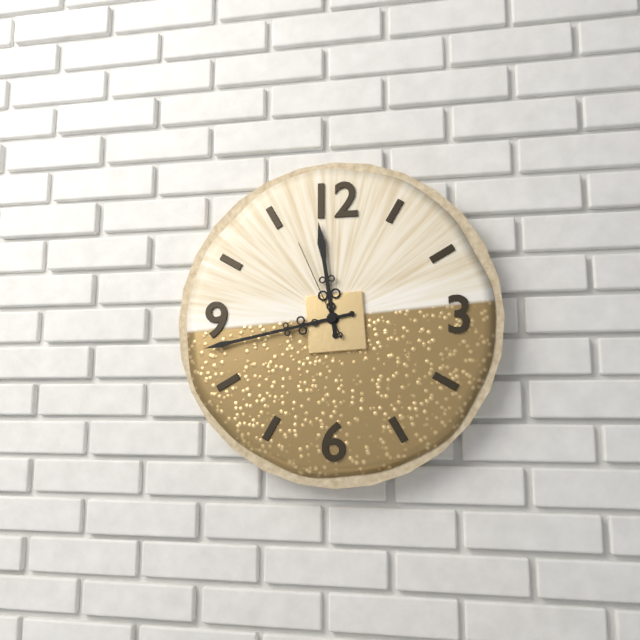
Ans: 11:43:56
